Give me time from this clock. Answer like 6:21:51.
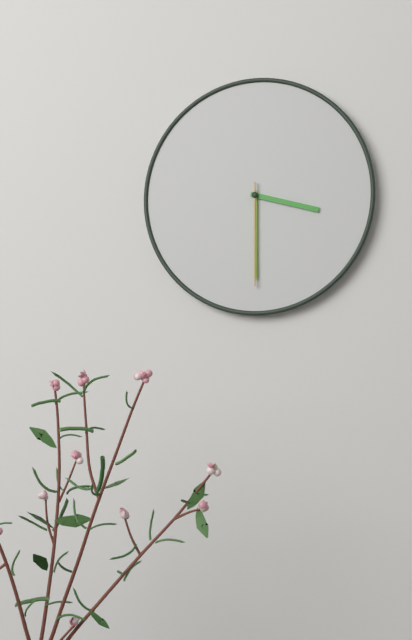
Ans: 3:30:30
